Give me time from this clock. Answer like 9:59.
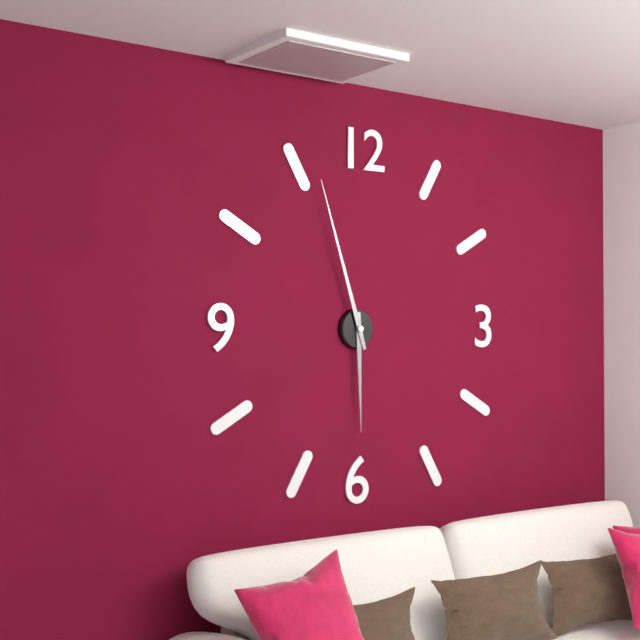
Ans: 5:57
